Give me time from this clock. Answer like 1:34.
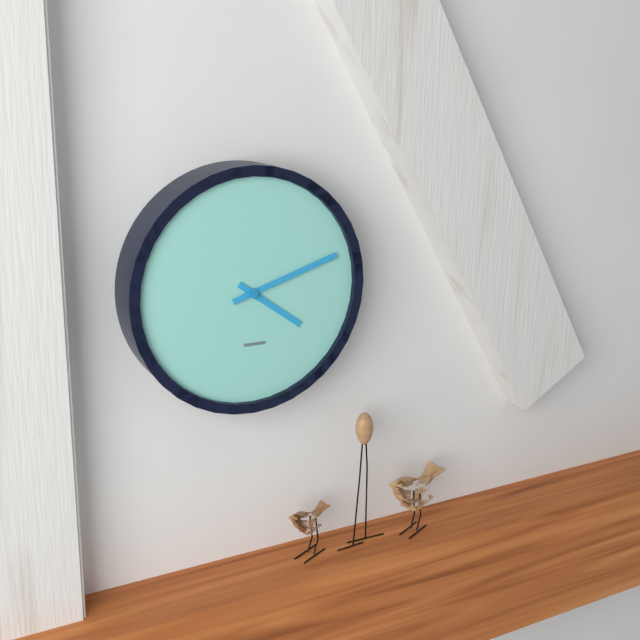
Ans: 4:12
